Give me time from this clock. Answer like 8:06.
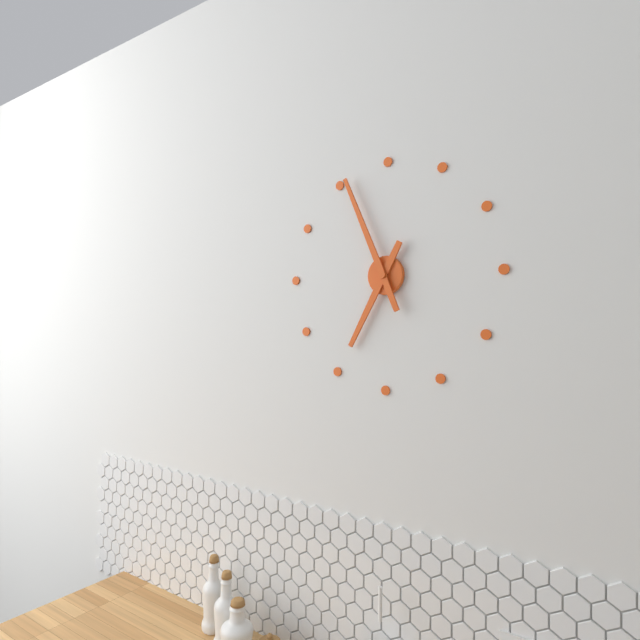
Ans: 6:56
